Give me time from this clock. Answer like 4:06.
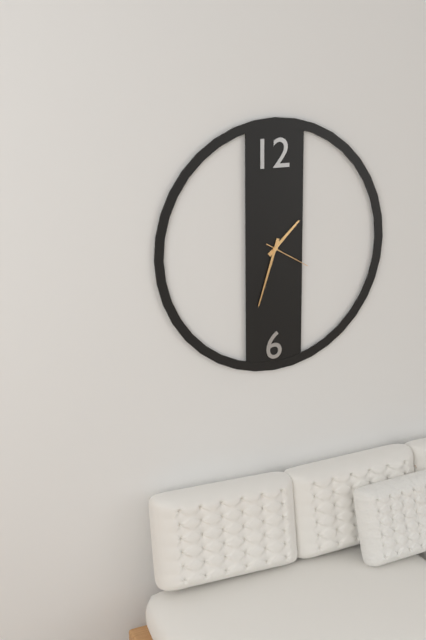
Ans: 1:33
